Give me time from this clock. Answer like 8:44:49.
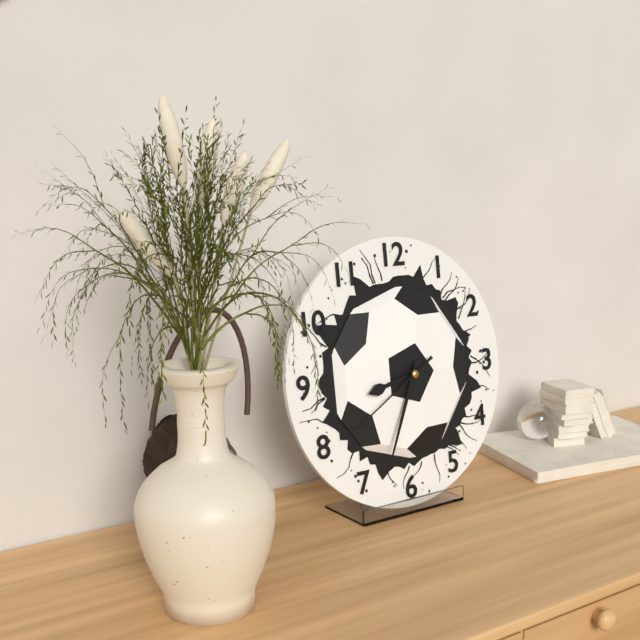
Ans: 8:34:40
